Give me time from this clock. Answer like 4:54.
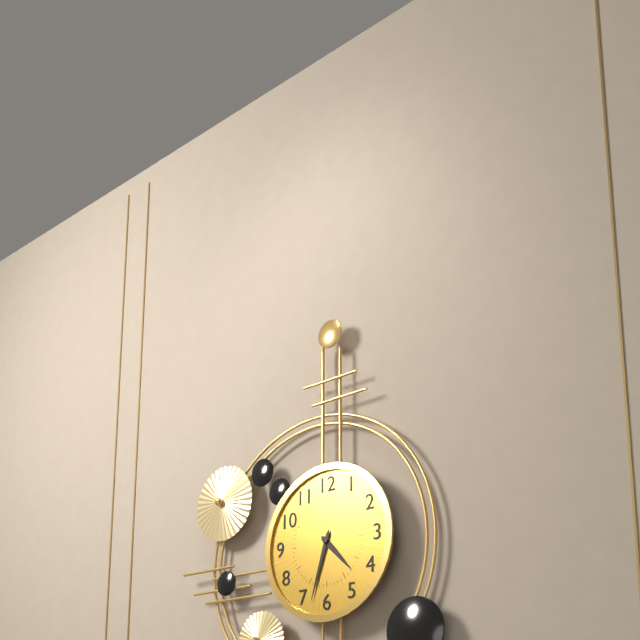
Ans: 4:33
